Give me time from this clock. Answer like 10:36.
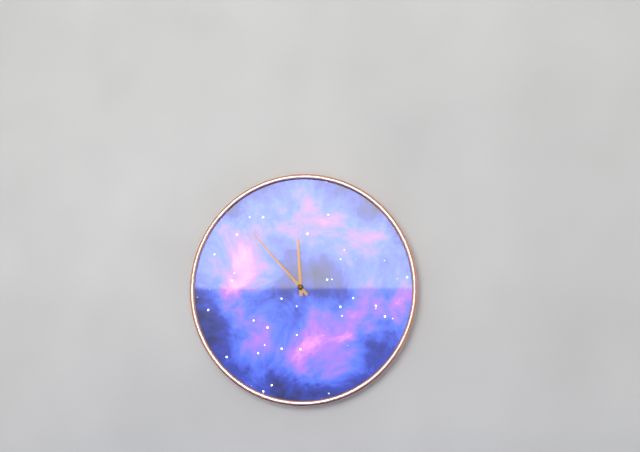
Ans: 11:53
